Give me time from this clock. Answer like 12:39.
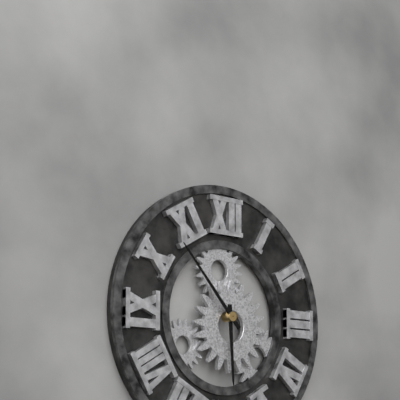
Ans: 5:53
